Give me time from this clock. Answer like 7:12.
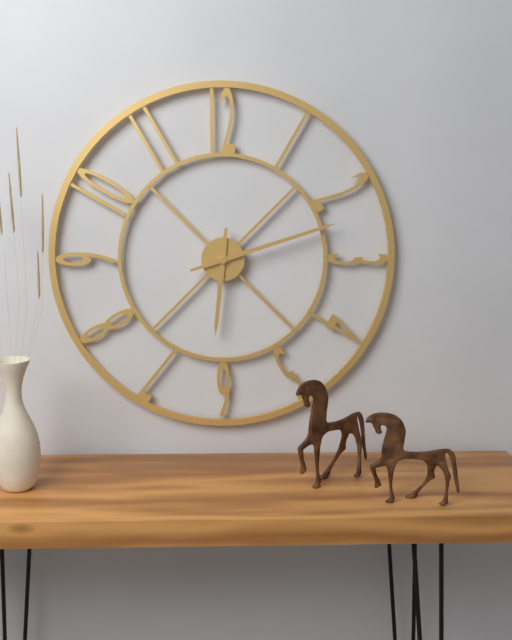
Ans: 6:12
